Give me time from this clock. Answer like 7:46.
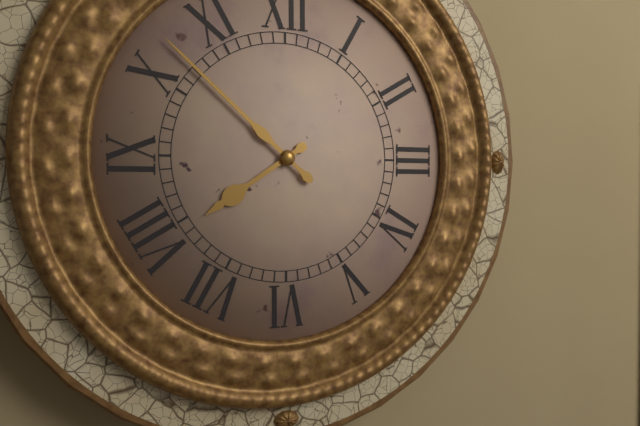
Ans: 7:52
